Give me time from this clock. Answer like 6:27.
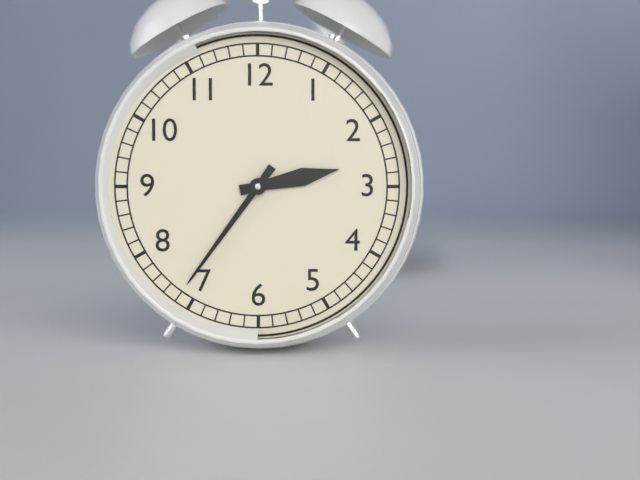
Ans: 2:36
